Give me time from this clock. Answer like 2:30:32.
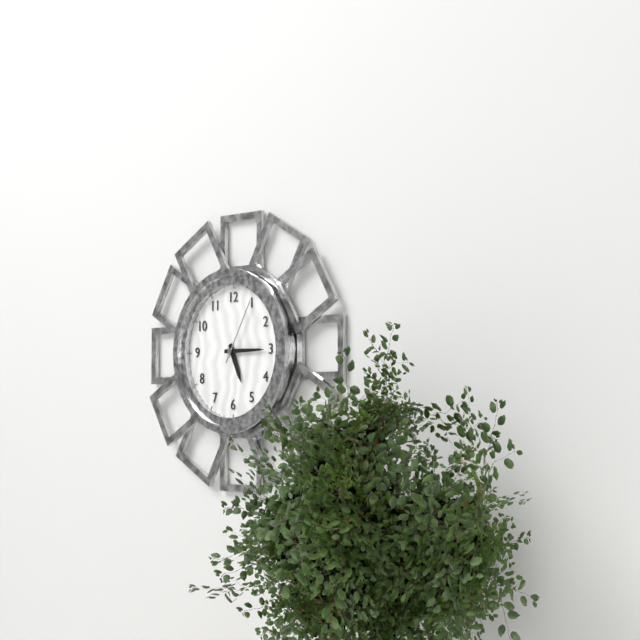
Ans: 5:15:05
